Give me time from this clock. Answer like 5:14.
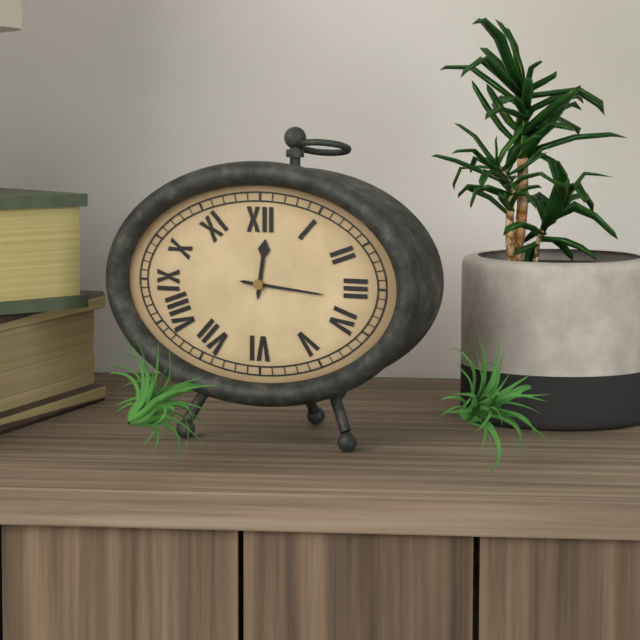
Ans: 12:16
